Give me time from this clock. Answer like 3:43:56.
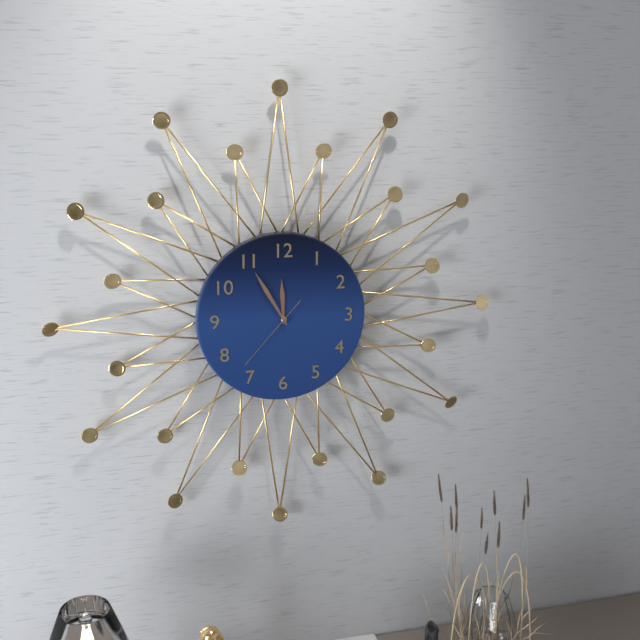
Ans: 11:55:37
